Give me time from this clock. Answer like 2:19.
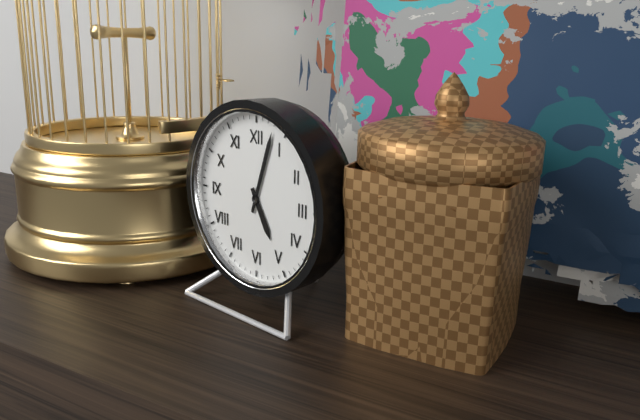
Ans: 5:03
